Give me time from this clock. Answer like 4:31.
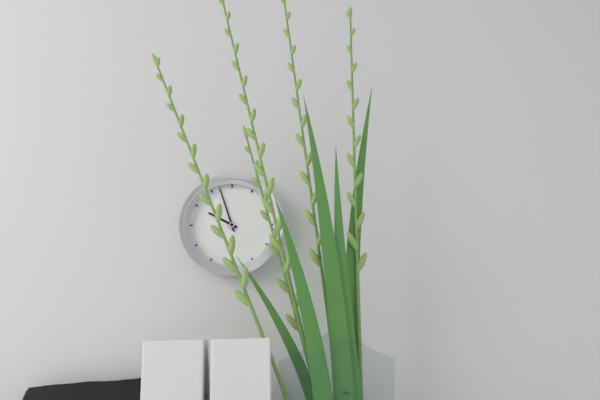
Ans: 9:57
